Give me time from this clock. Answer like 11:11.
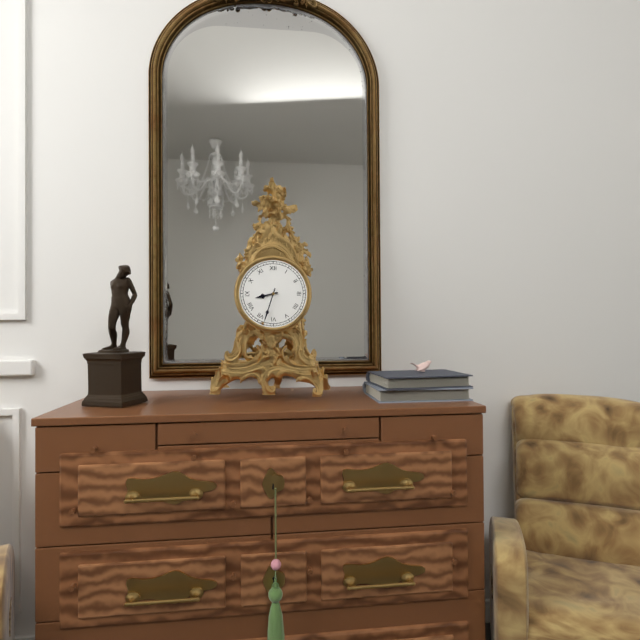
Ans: 8:33
